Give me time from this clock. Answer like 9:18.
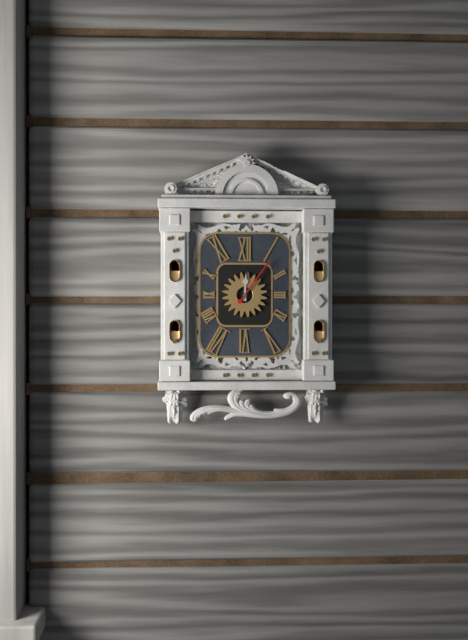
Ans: 12:06
